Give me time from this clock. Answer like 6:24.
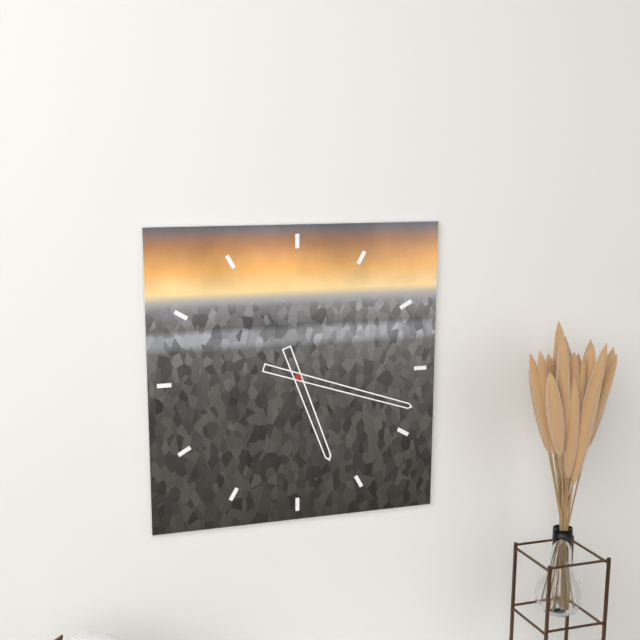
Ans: 5:18
